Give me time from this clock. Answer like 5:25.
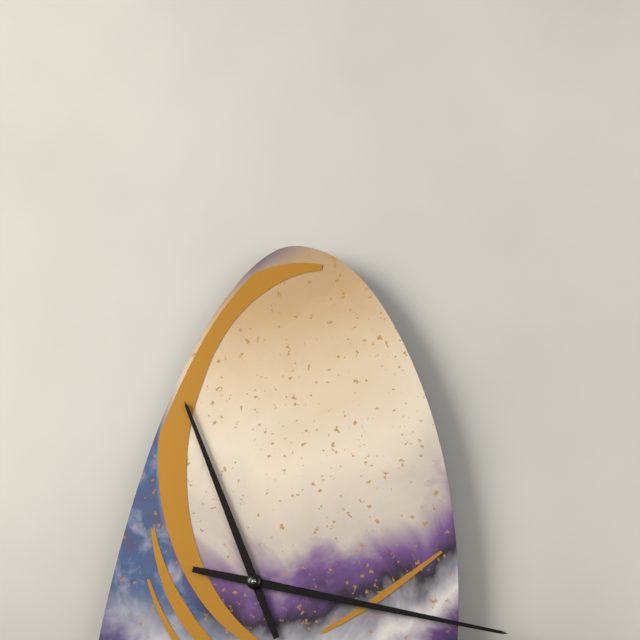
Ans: 11:17
